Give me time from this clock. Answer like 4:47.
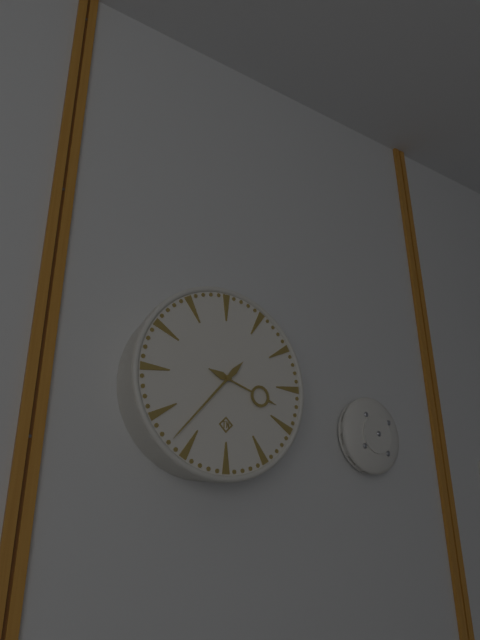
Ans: 3:37
